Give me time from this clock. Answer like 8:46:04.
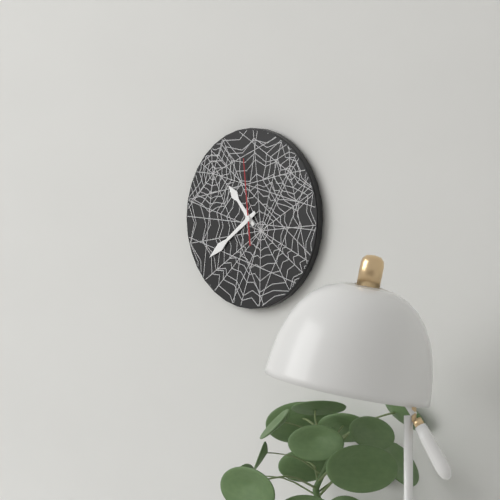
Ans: 10:39:59
